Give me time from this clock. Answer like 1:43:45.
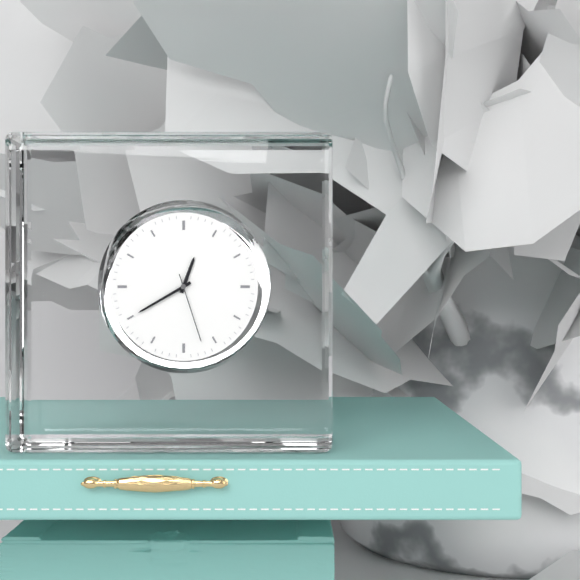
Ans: 12:40:27
